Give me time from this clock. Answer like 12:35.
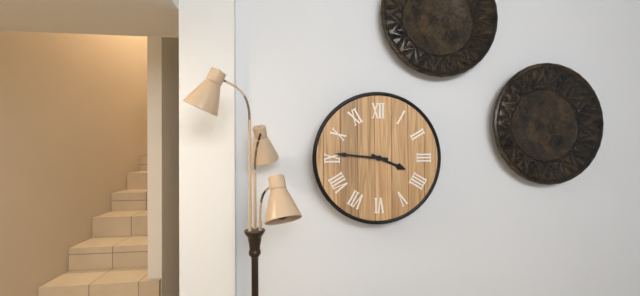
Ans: 3:46
